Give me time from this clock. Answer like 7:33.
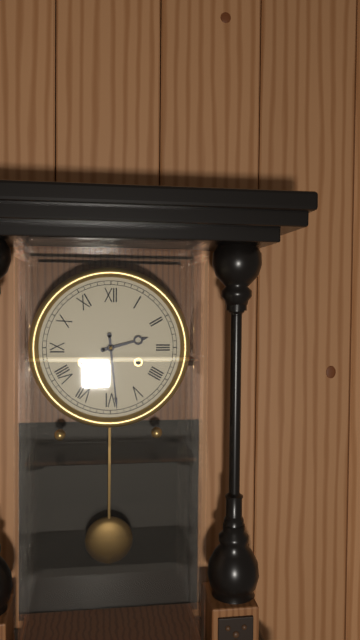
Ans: 2:29
